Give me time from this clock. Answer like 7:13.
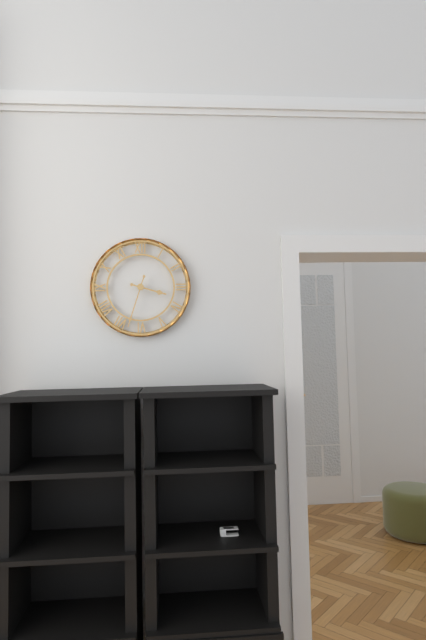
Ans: 3:33
